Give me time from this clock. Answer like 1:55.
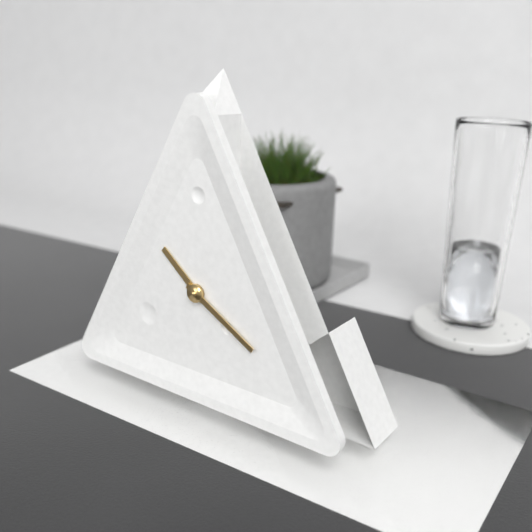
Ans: 10:20
